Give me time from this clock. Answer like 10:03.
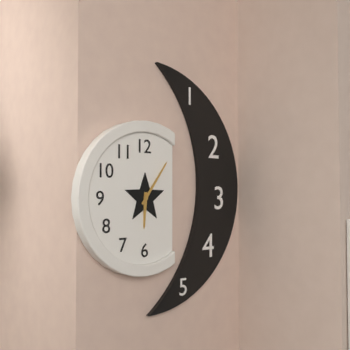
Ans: 6:06
